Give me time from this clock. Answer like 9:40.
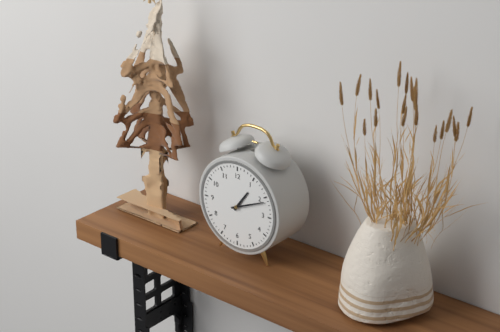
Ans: 1:11
